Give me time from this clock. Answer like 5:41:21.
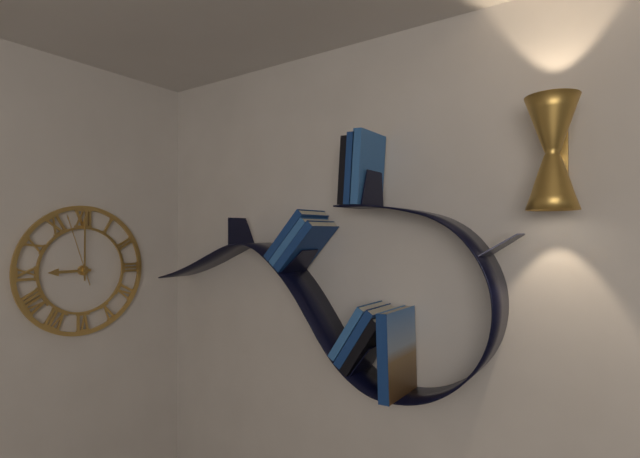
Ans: 9:00:57
